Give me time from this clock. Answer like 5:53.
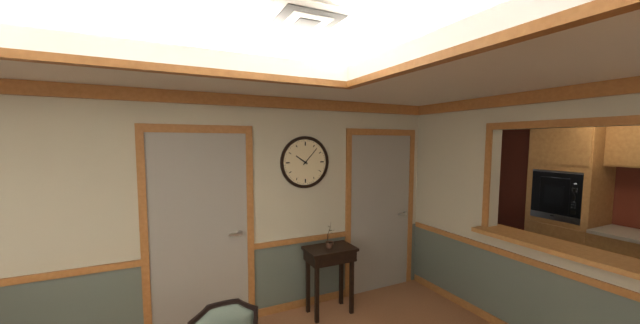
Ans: 10:07
